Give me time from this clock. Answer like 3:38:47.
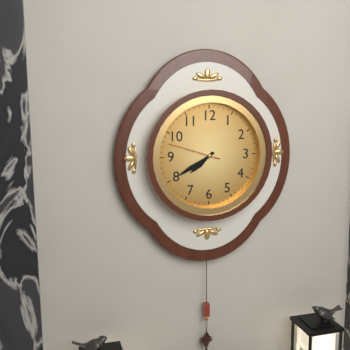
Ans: 7:40:48
